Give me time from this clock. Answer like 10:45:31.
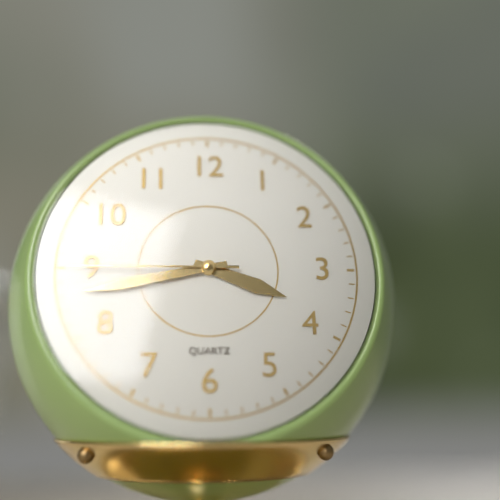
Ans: 3:43:45
